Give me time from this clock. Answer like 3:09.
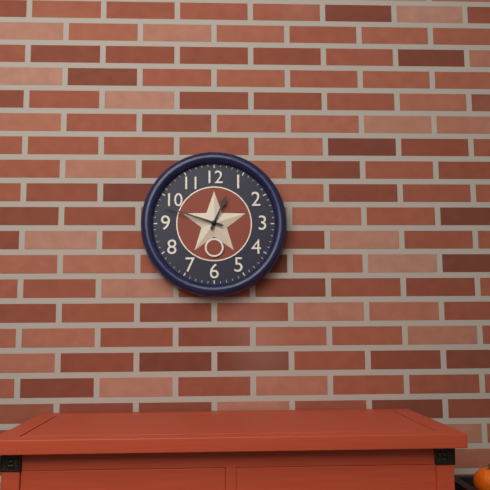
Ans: 12:48
